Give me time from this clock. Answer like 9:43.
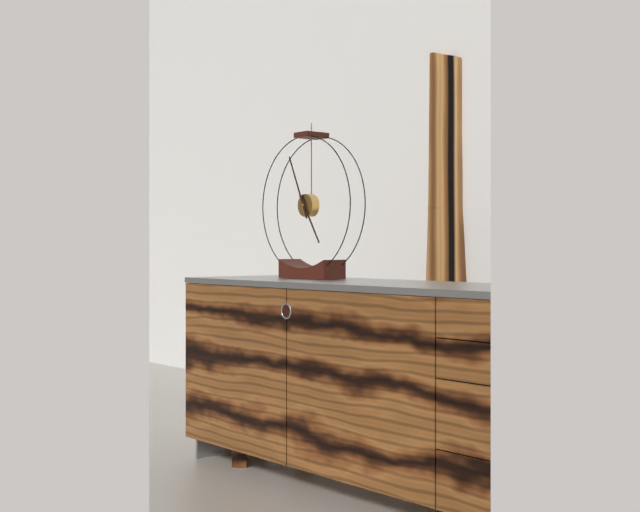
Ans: 4:56
